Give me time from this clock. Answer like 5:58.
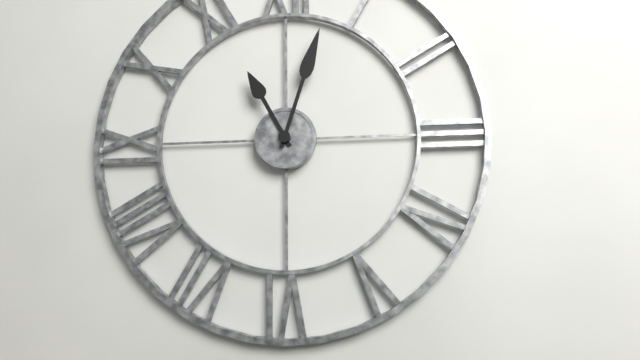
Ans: 11:03
